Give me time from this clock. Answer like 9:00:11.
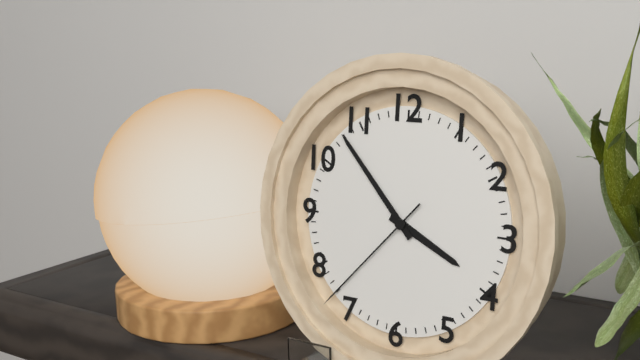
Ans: 3:53:37
